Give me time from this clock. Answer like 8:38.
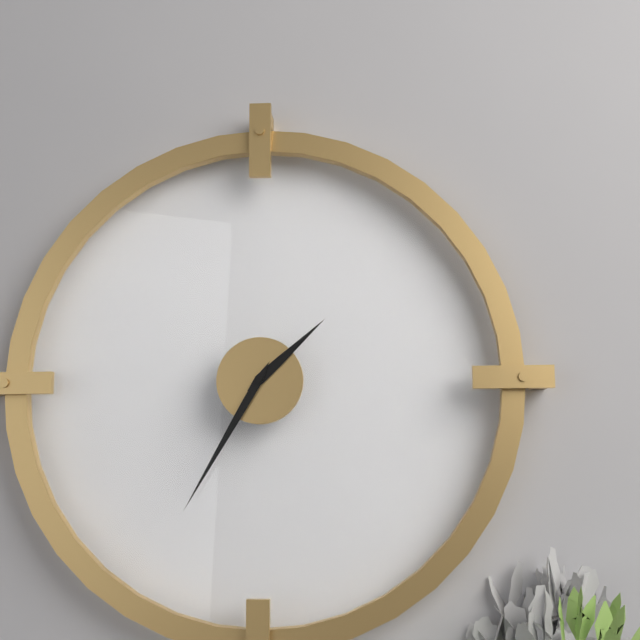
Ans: 1:35
